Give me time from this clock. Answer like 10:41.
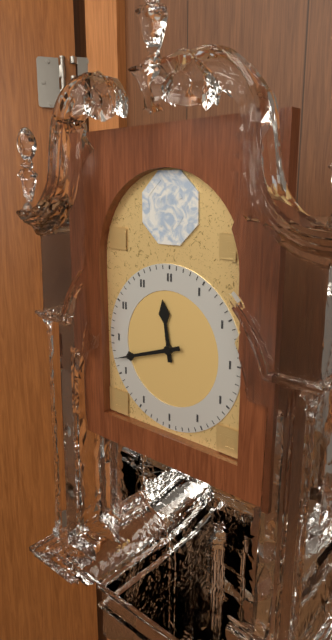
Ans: 11:42
